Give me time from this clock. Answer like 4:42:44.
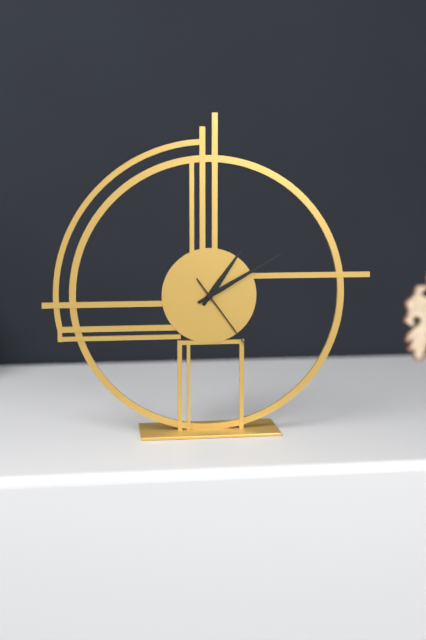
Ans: 1:10:24
